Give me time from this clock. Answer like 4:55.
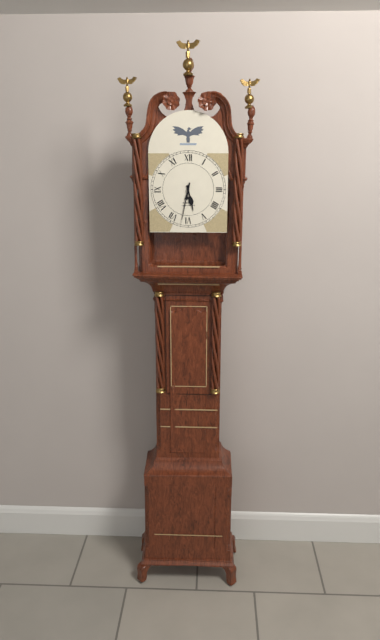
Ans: 5:32
